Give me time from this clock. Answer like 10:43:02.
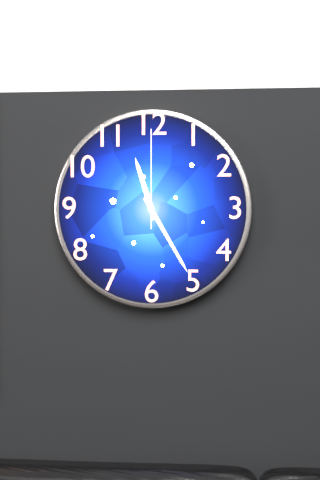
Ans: 11:25:00
